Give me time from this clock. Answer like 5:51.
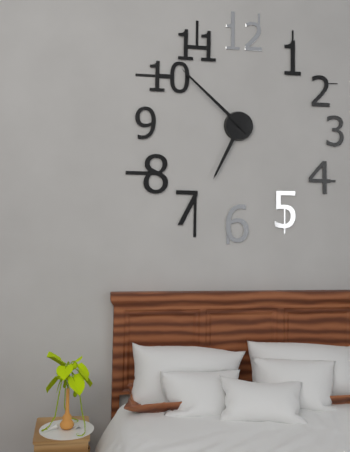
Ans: 6:52
